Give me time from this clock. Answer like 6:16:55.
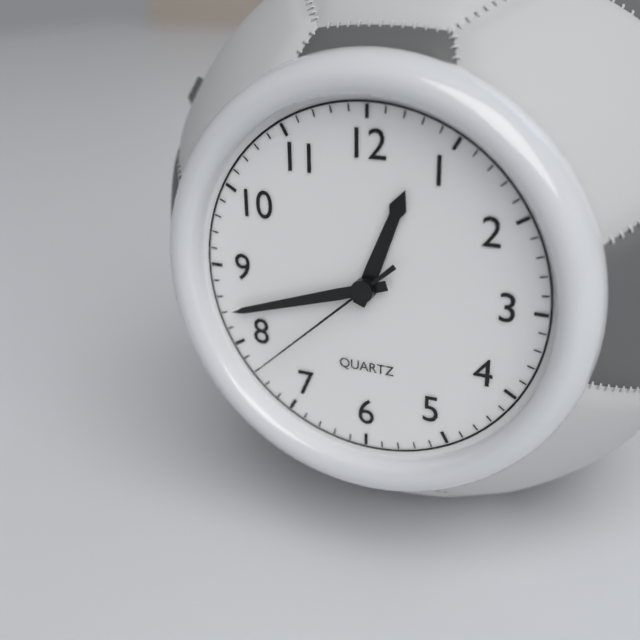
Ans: 12:42:38
